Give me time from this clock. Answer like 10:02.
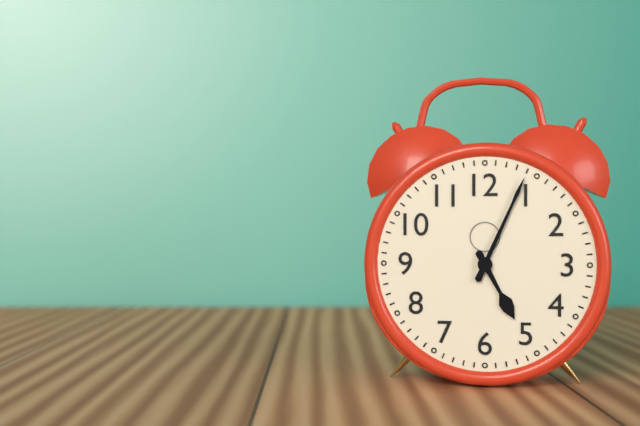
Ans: 5:04
